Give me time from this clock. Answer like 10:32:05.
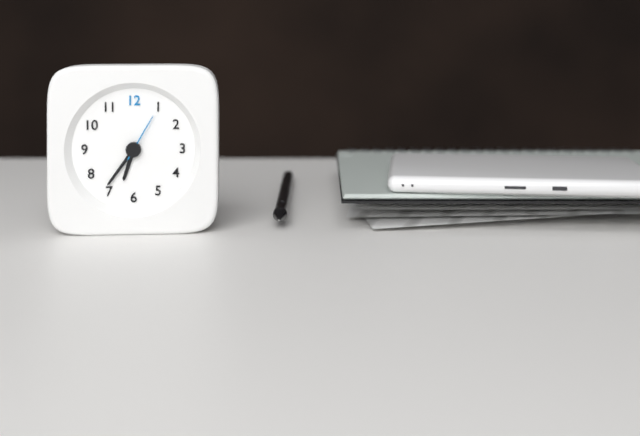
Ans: 6:36:05
